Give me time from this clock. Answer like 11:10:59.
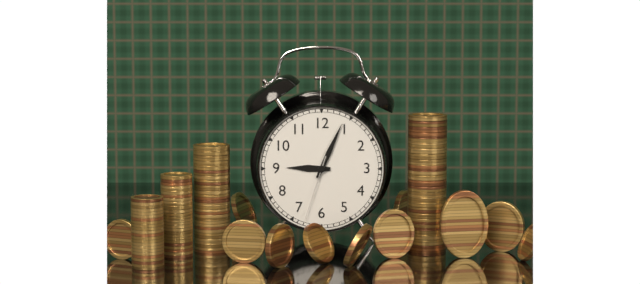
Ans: 9:04:33
